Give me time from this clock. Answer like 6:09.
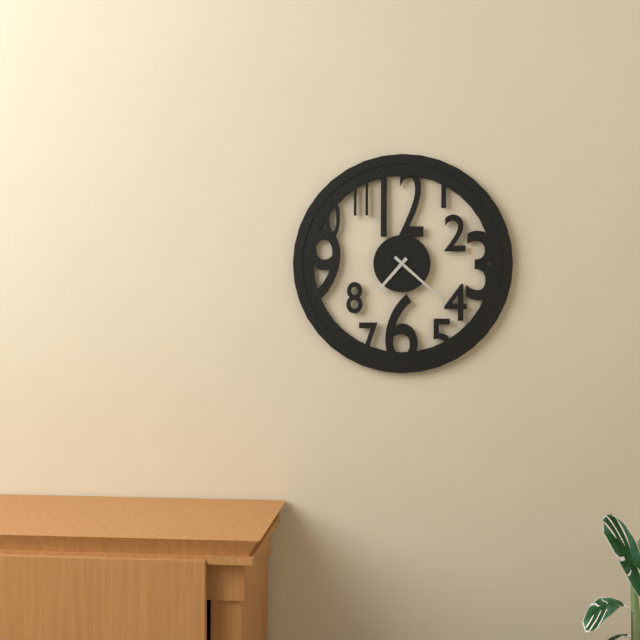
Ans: 7:22
